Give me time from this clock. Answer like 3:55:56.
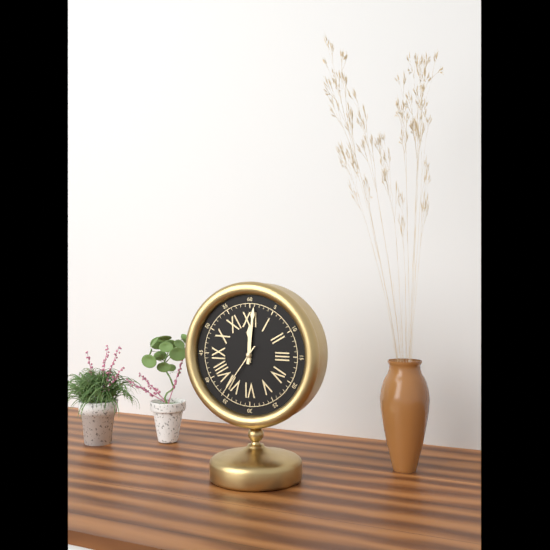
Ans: 12:01:36
